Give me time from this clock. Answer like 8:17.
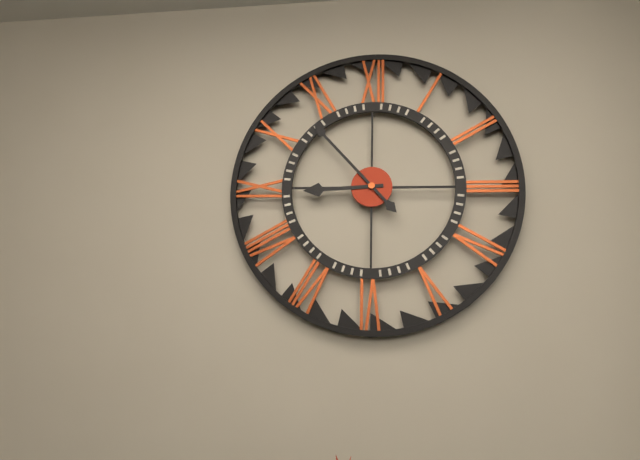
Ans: 8:53
